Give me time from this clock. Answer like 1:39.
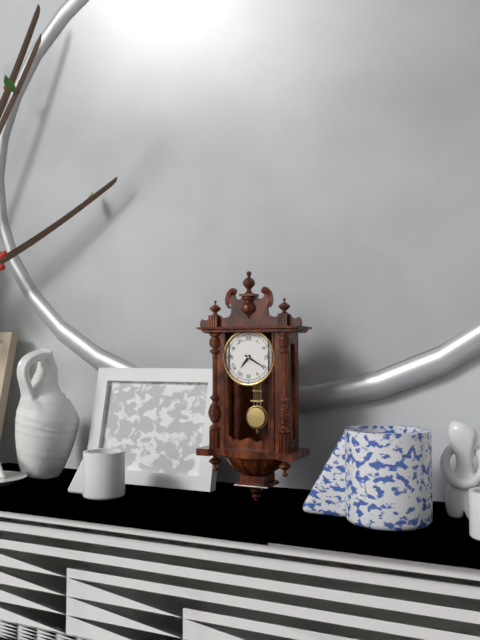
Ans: 7:20
